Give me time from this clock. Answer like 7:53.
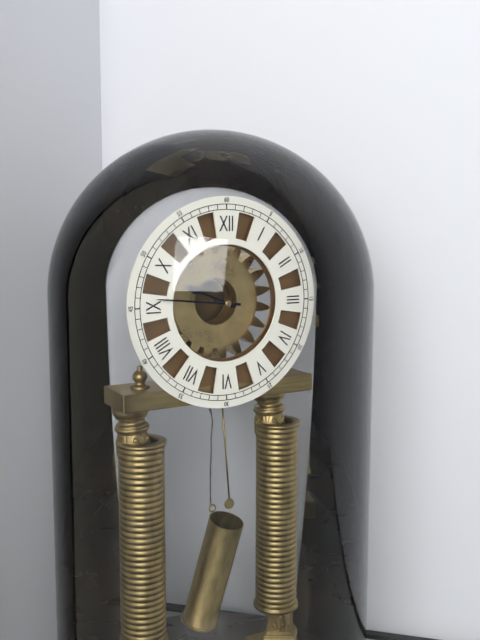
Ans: 9:46
